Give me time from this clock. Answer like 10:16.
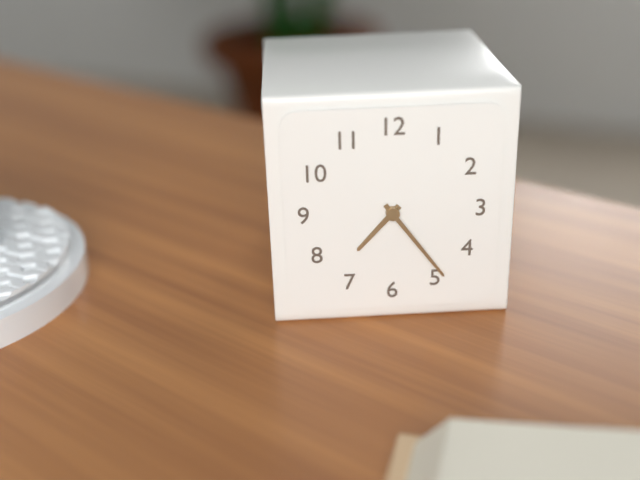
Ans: 7:24
